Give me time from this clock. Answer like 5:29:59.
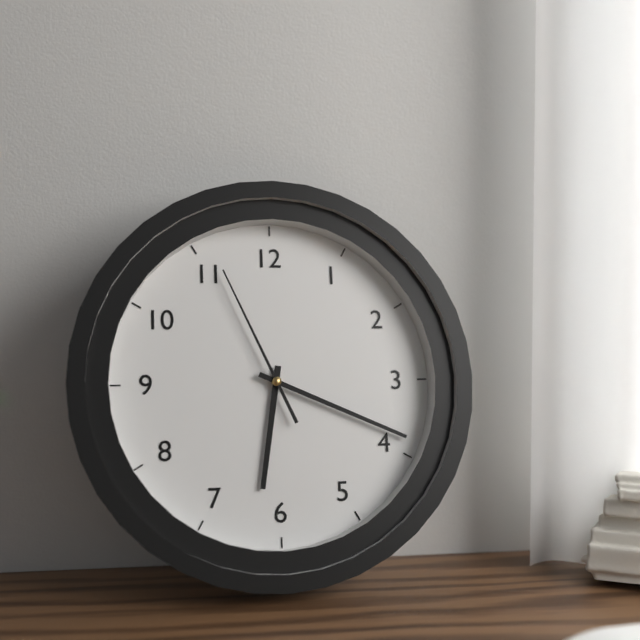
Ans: 6:19:56
